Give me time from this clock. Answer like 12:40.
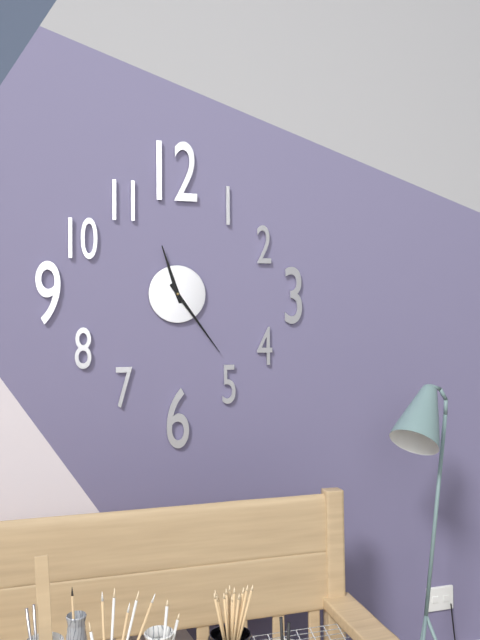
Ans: 11:24
